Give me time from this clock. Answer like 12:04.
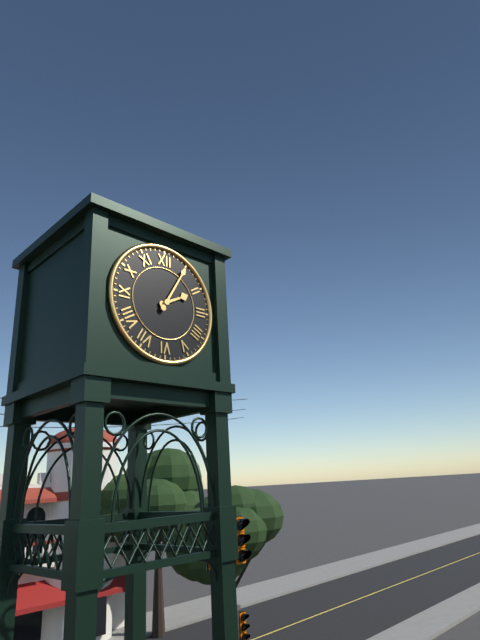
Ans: 2:05
